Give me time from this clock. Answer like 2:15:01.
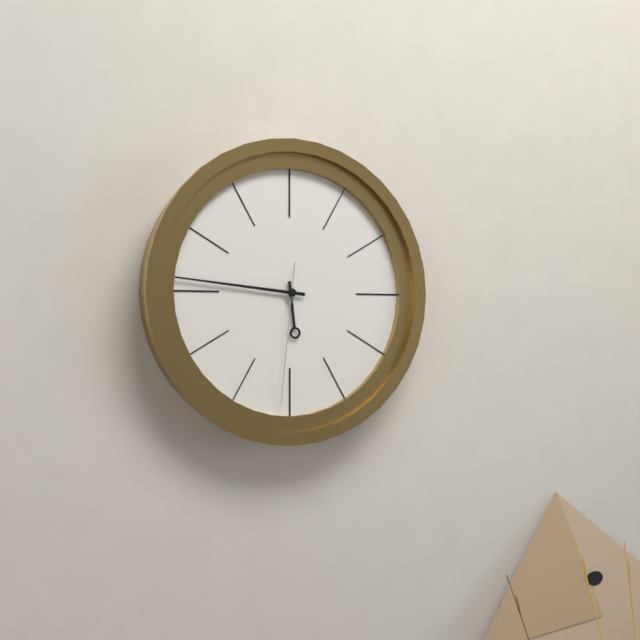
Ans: 5:46:31
